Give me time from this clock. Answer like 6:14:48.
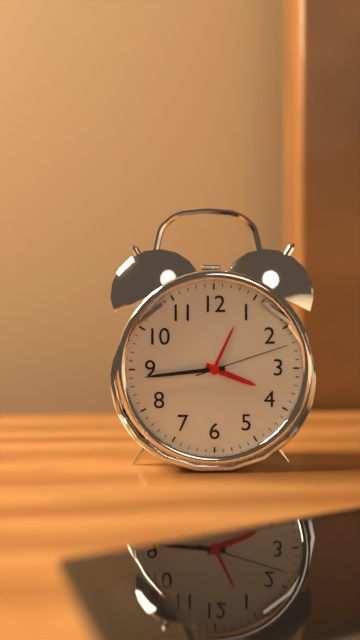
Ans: 3:44:12
